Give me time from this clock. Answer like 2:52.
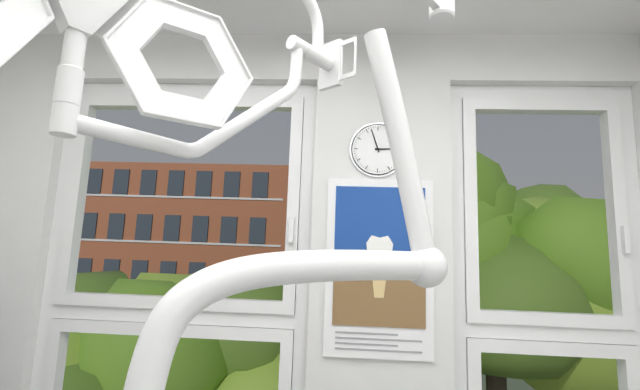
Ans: 2:57
